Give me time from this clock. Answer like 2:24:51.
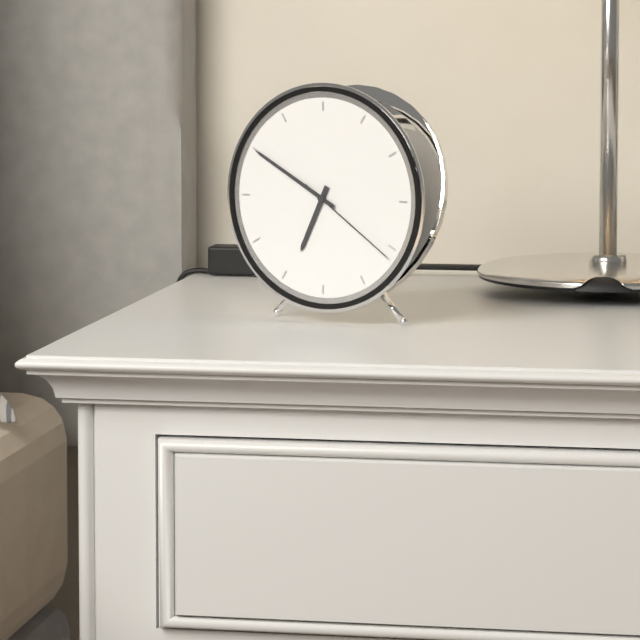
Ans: 6:50:21
